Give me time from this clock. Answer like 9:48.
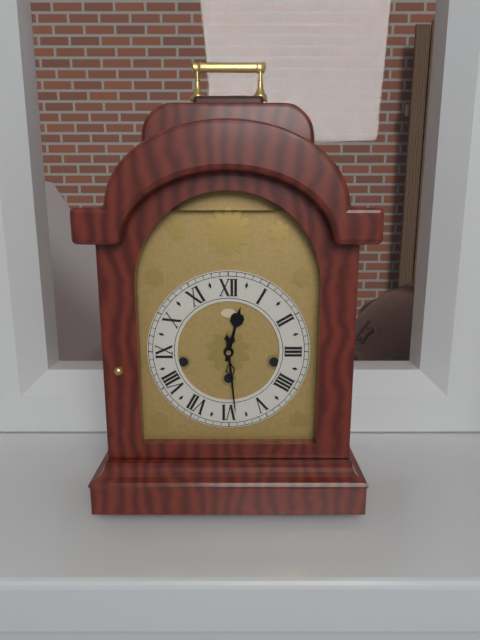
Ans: 12:29
